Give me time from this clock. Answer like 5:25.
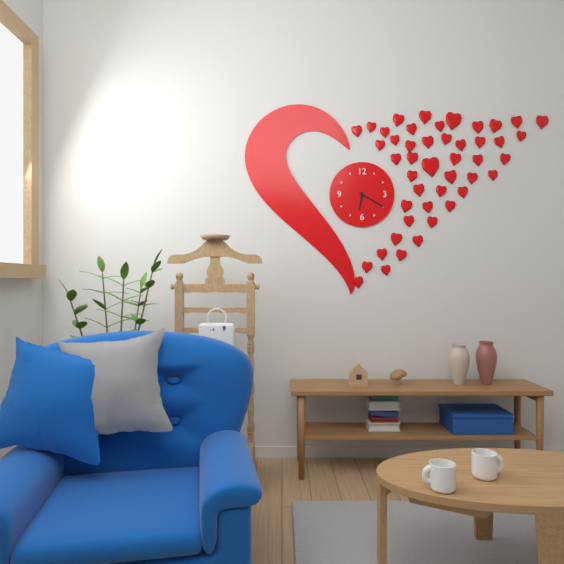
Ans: 6:20
